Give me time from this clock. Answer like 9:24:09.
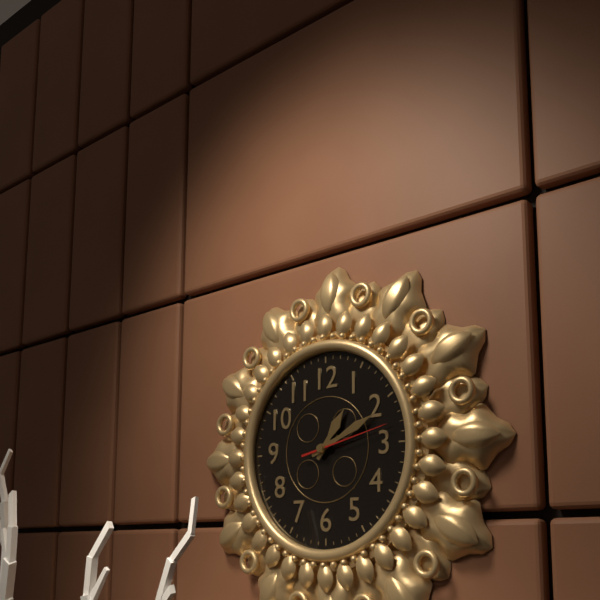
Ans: 1:11:13
